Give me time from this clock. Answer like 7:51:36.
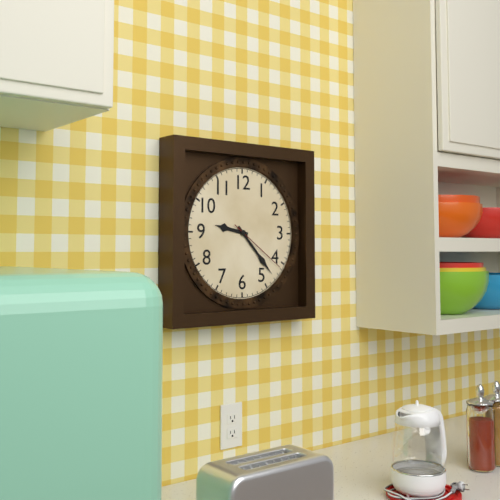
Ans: 9:23:21
